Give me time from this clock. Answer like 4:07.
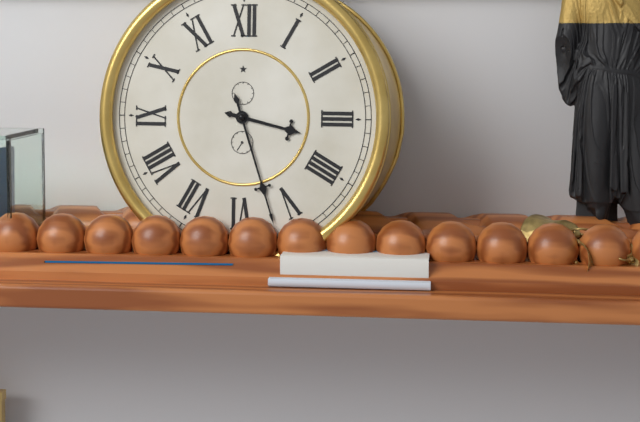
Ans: 3:27
